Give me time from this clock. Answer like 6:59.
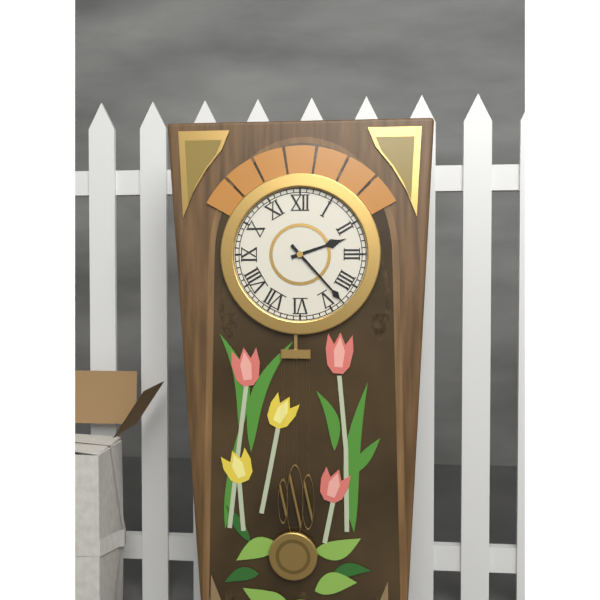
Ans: 2:23
